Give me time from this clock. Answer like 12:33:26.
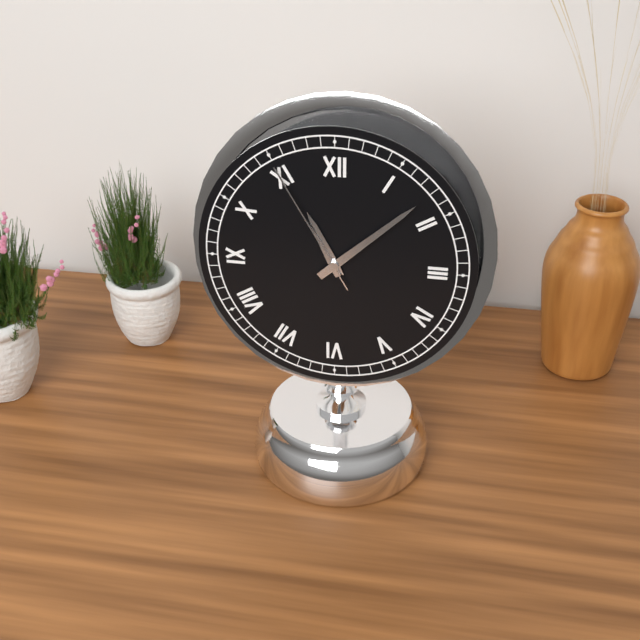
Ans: 11:08:55
